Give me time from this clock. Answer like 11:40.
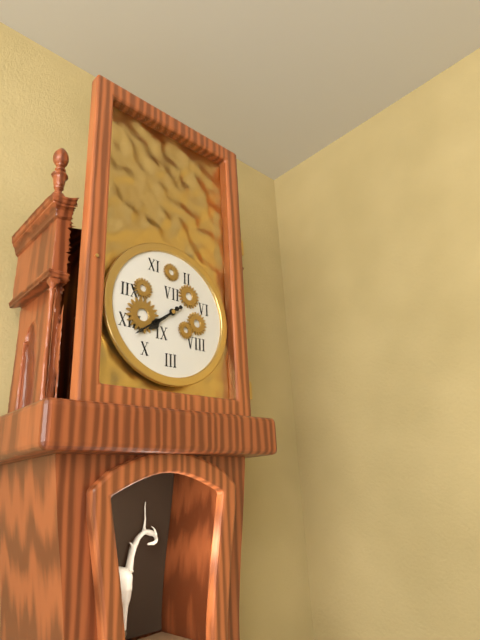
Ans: 7:39
